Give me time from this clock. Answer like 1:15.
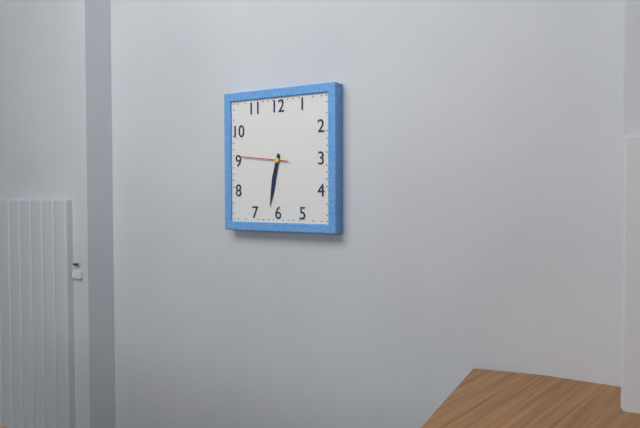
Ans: 6:32
